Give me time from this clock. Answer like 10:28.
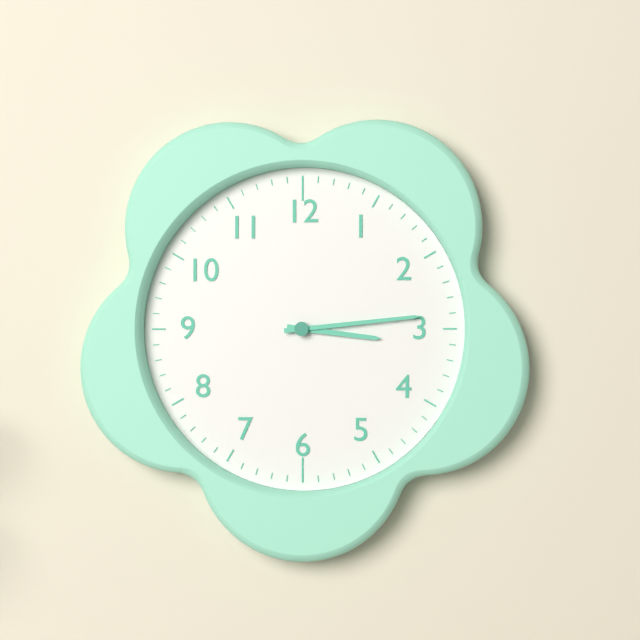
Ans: 3:14
